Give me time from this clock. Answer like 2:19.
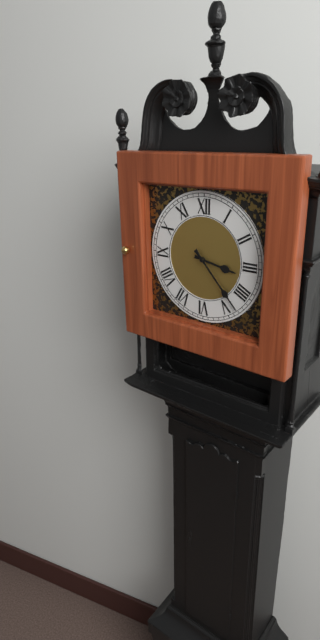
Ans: 3:23
